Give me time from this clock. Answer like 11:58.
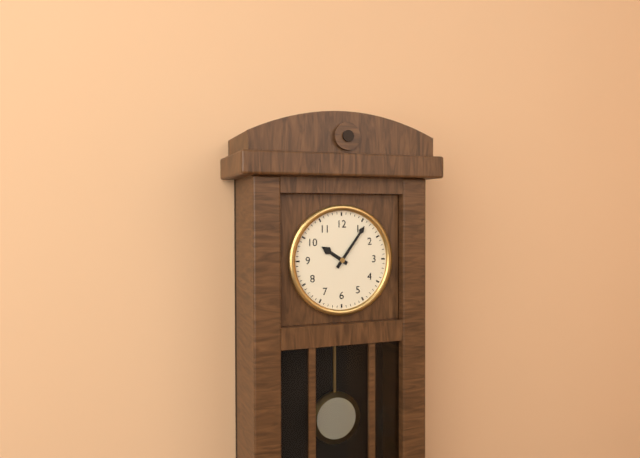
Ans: 10:06
